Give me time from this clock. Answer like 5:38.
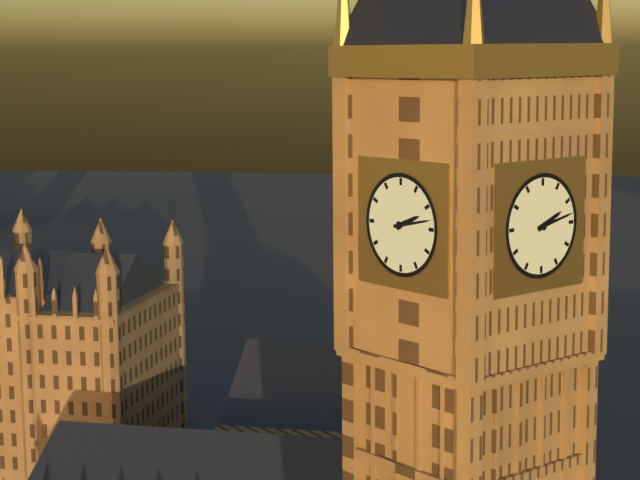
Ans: 2:13
